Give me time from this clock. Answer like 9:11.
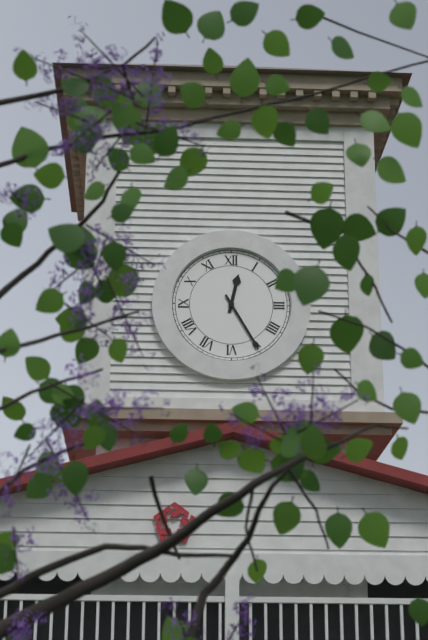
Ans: 12:25
